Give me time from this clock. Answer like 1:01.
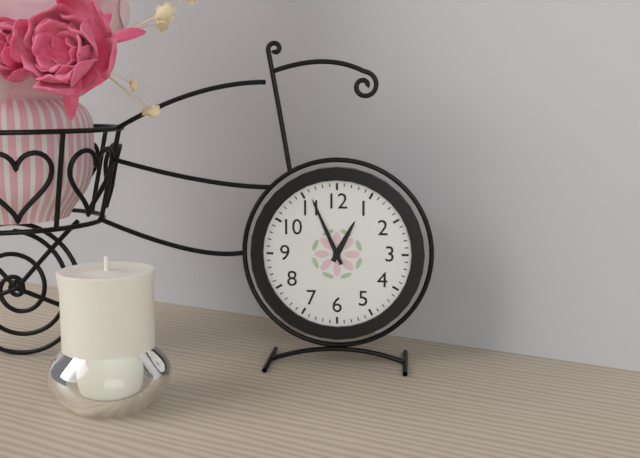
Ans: 12:56
